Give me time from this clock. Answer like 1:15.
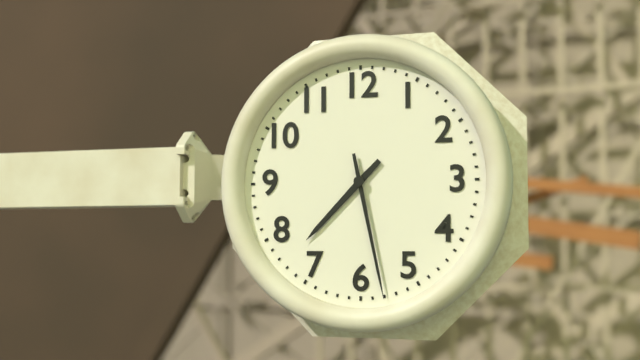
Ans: 7:28
